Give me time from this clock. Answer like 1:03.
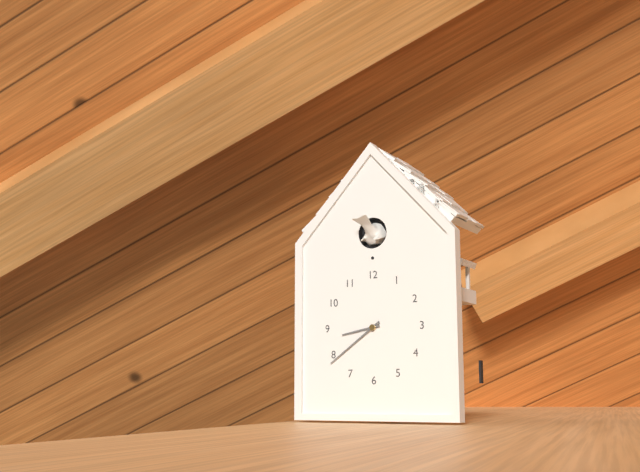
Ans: 8:39
